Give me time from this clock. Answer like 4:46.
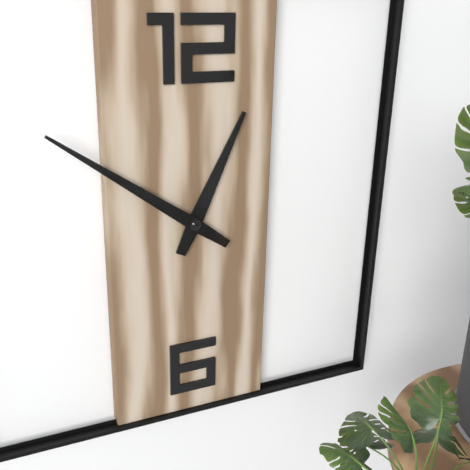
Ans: 12:51
